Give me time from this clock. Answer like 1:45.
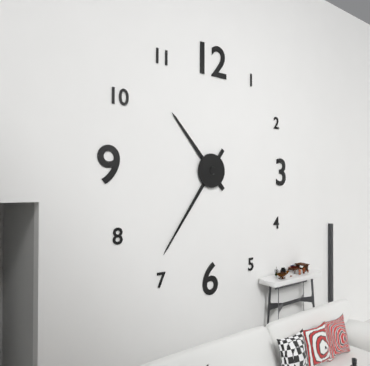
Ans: 10:36
